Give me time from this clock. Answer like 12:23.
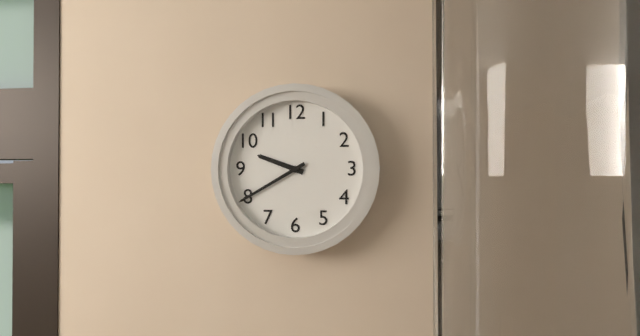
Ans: 9:40
